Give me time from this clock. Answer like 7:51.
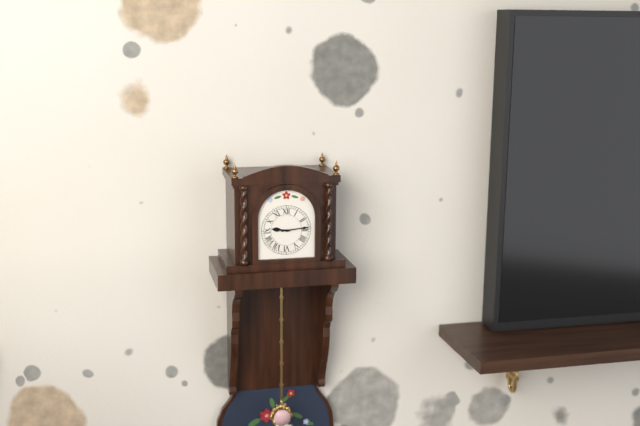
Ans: 9:14
